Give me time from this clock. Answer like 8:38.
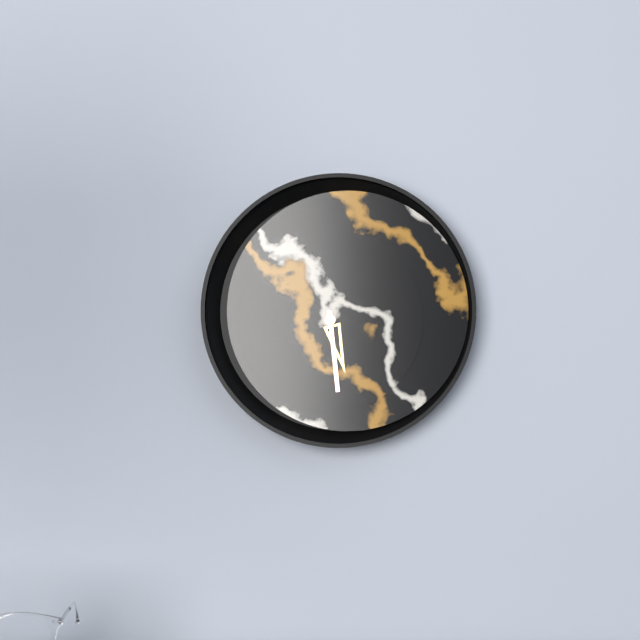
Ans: 5:29
